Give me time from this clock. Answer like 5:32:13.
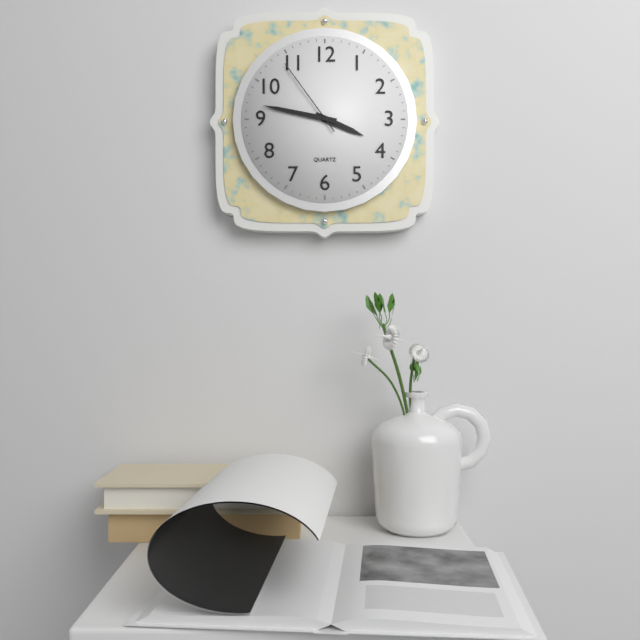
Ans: 3:47:54
